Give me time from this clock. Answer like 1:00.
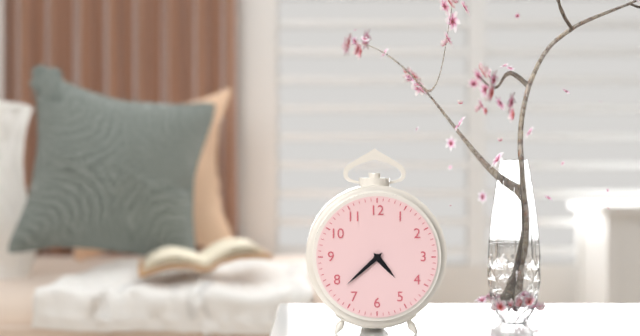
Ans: 4:38
